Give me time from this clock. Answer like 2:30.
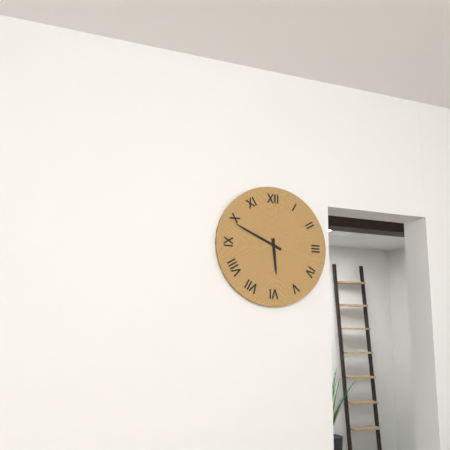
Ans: 5:49
